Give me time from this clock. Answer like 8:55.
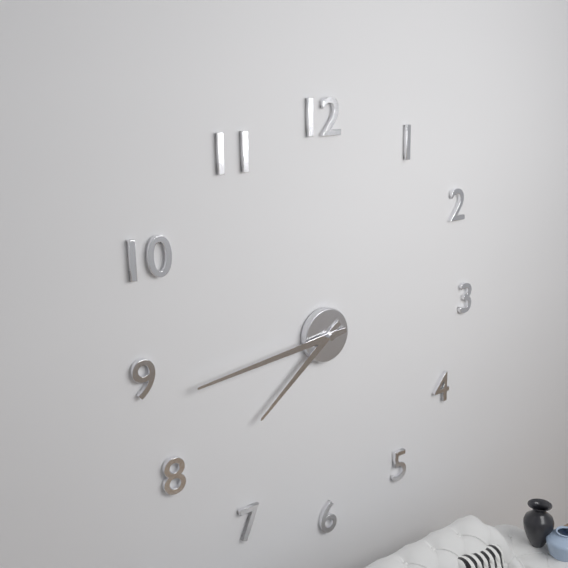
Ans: 7:44
